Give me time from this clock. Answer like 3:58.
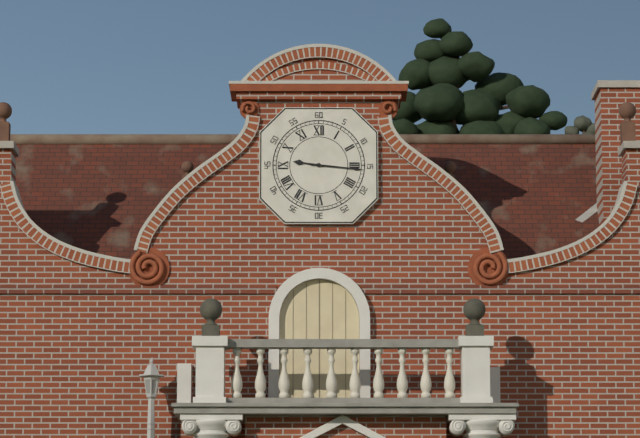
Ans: 9:16
